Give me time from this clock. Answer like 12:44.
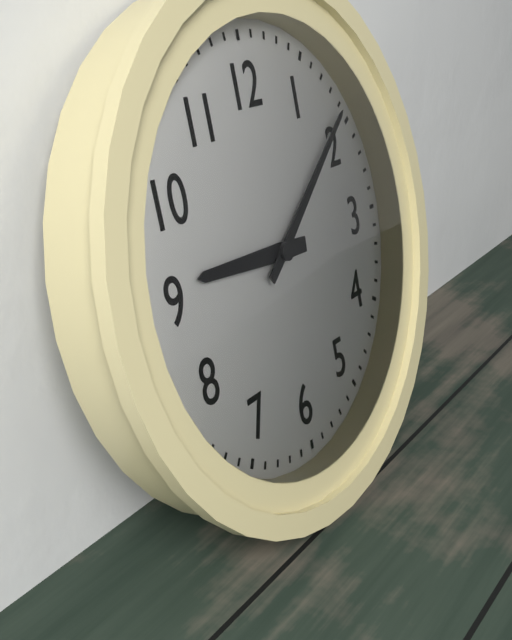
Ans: 9:09
